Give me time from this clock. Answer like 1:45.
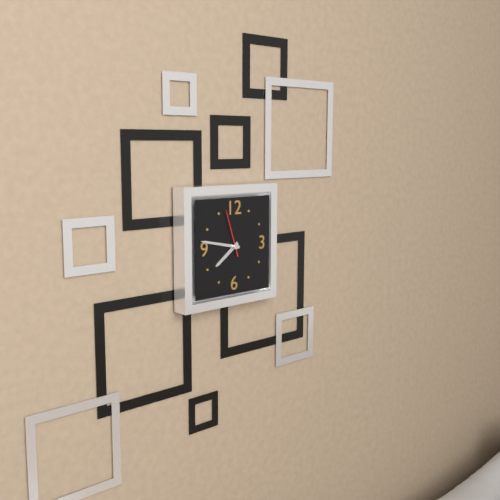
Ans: 7:47
